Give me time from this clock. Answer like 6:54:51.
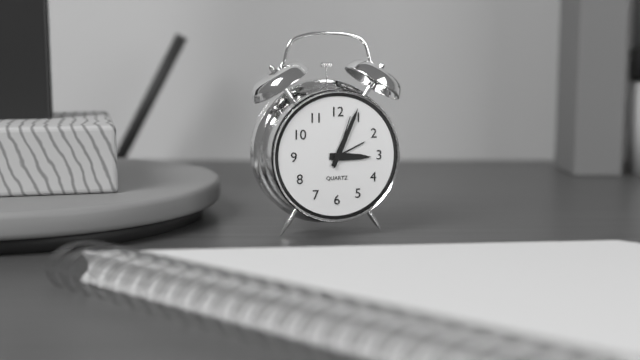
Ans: 3:04:03
